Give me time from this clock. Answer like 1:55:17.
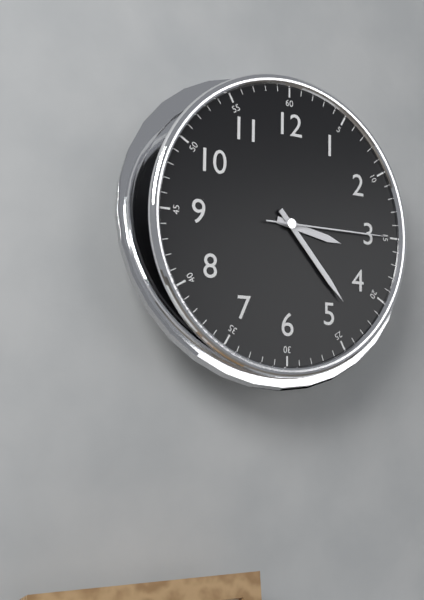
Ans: 3:23:15
